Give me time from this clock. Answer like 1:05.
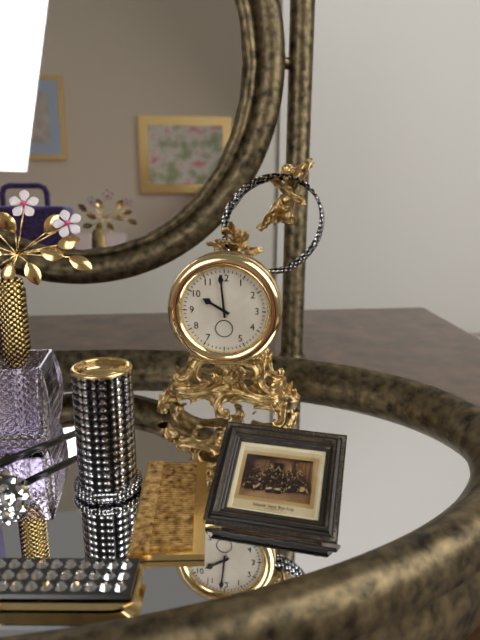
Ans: 9:59
